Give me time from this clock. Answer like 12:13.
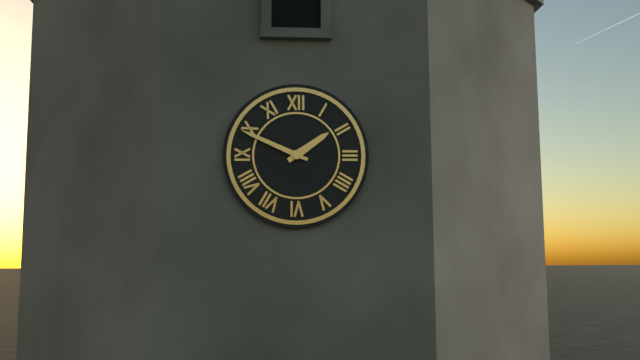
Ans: 1:49
